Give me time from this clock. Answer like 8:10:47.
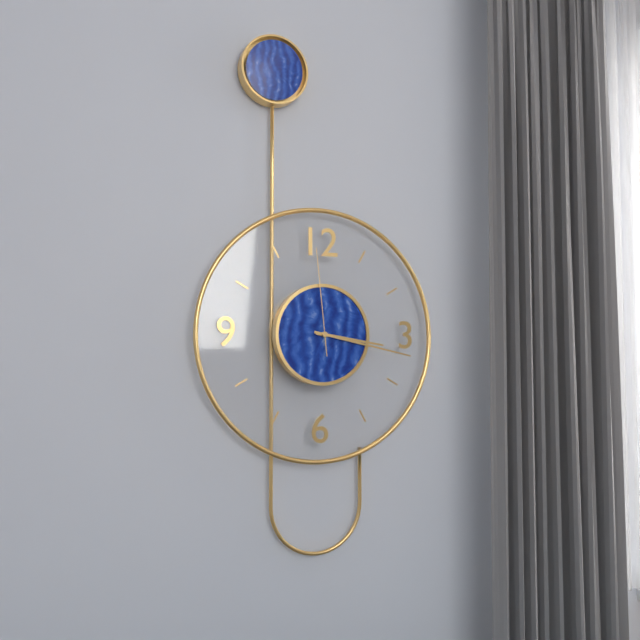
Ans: 3:17:59
